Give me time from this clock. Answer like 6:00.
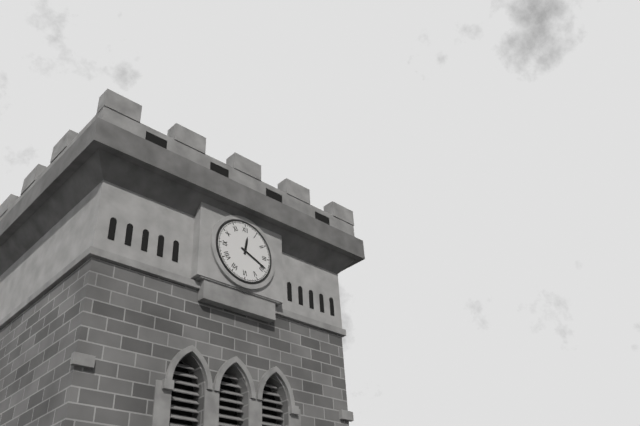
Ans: 12:19
